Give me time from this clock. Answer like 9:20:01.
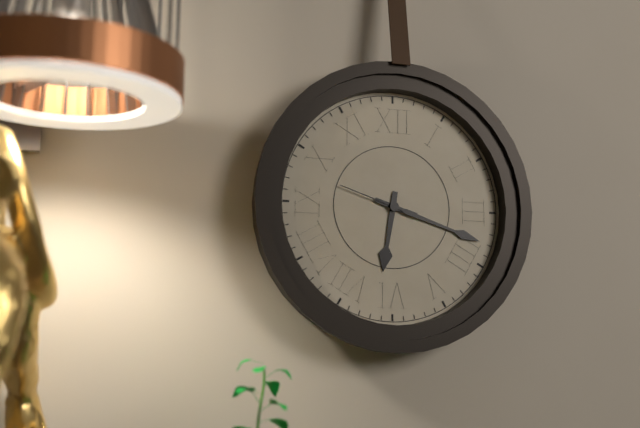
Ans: 6:18:48
